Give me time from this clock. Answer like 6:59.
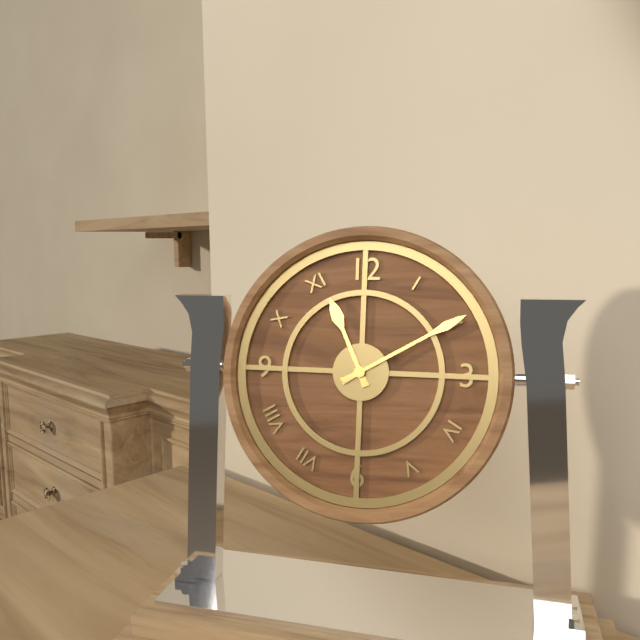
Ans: 11:10
